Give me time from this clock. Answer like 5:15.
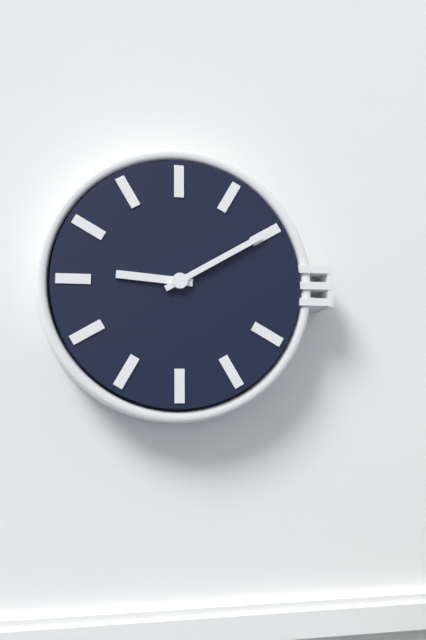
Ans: 9:10
